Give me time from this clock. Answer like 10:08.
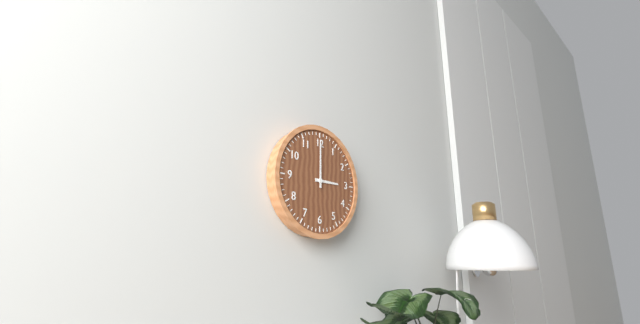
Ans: 3:00
